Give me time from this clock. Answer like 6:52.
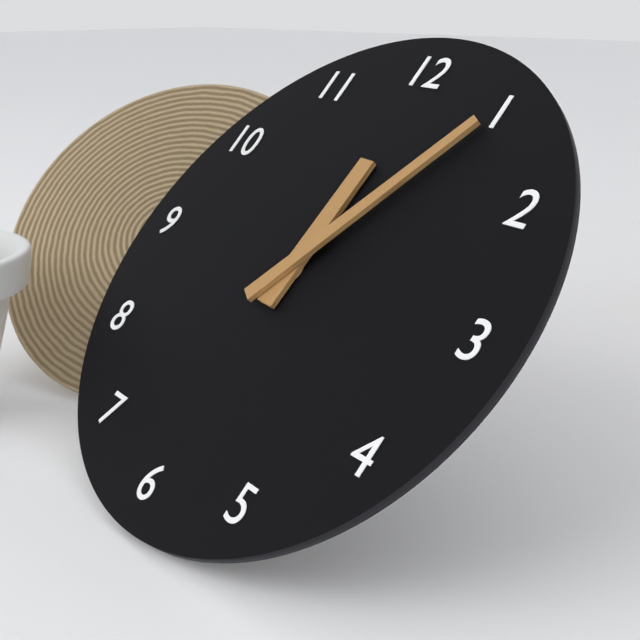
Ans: 12:05
